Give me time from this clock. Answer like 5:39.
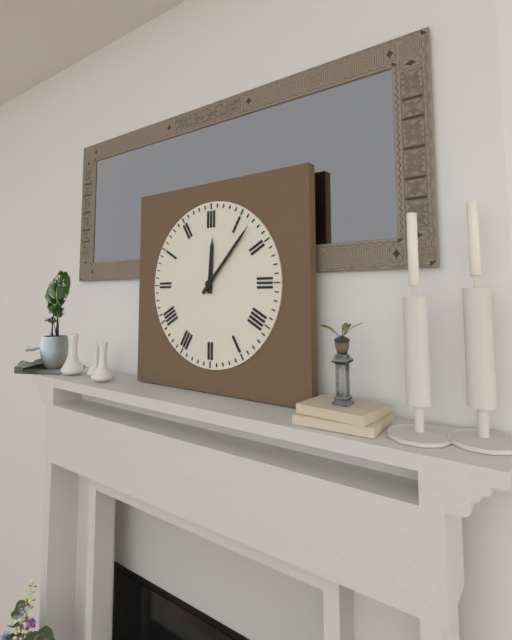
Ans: 12:07
